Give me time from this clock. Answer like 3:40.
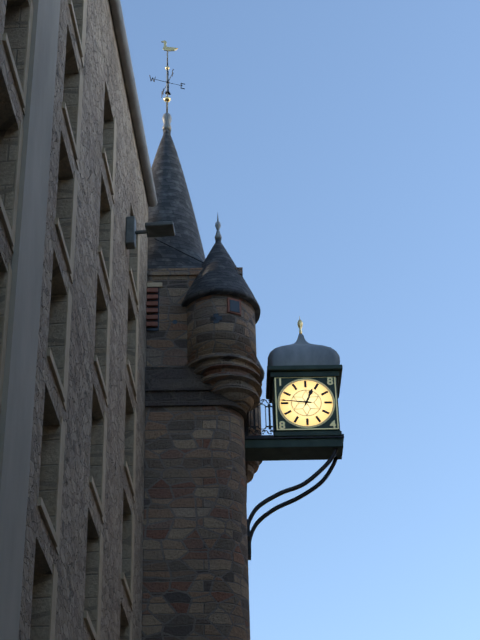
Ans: 12:46
